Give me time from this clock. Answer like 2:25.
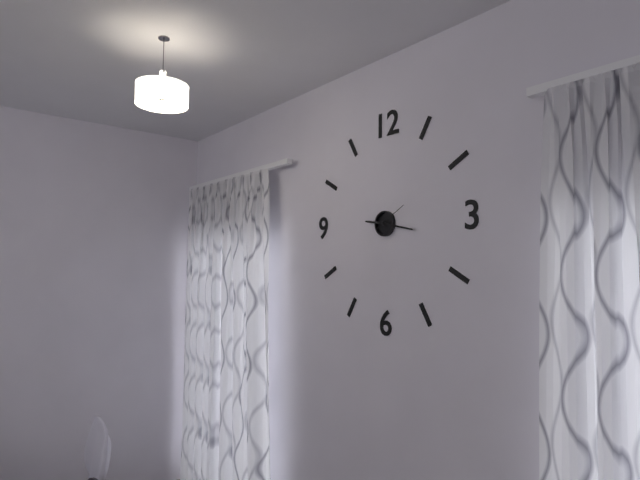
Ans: 9:17
